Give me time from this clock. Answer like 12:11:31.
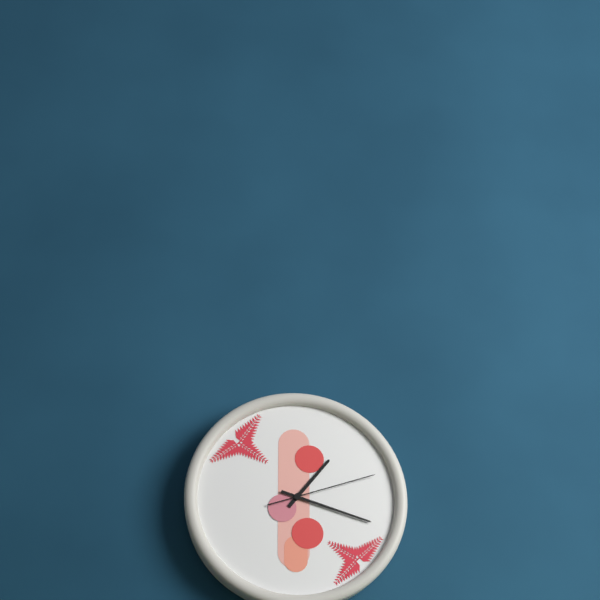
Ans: 1:18:12
